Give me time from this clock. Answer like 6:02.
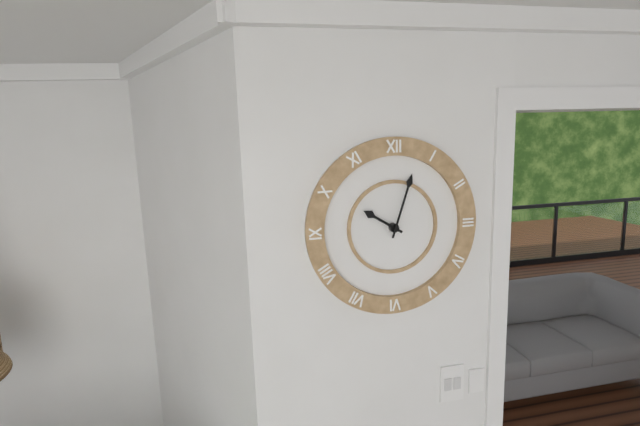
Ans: 10:03
